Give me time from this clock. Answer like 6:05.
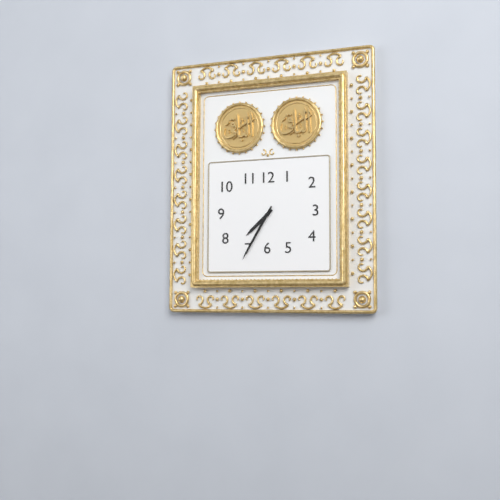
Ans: 7:35
